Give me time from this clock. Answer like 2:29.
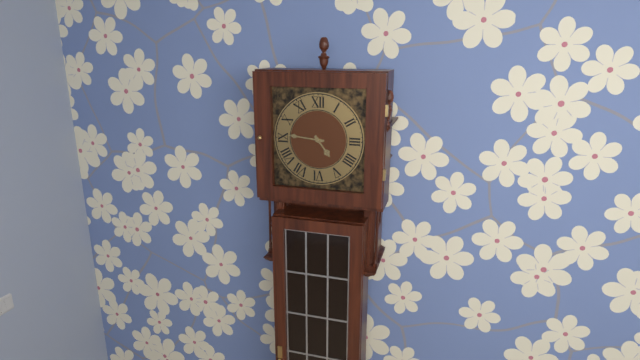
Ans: 4:46
